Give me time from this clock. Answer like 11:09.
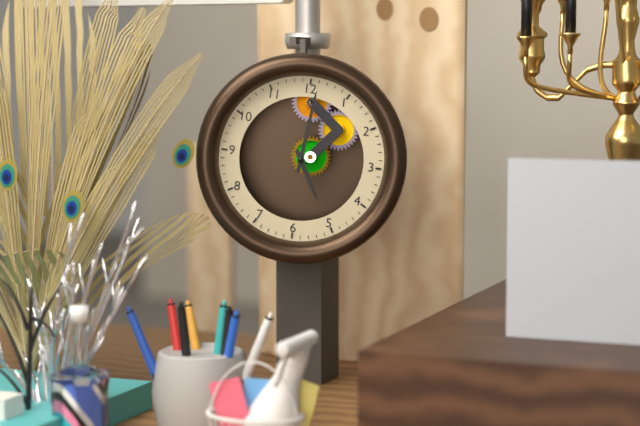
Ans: 5:01
